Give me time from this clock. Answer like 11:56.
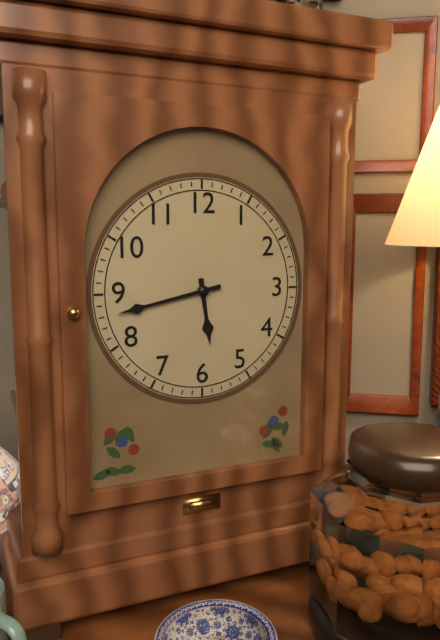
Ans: 5:43
